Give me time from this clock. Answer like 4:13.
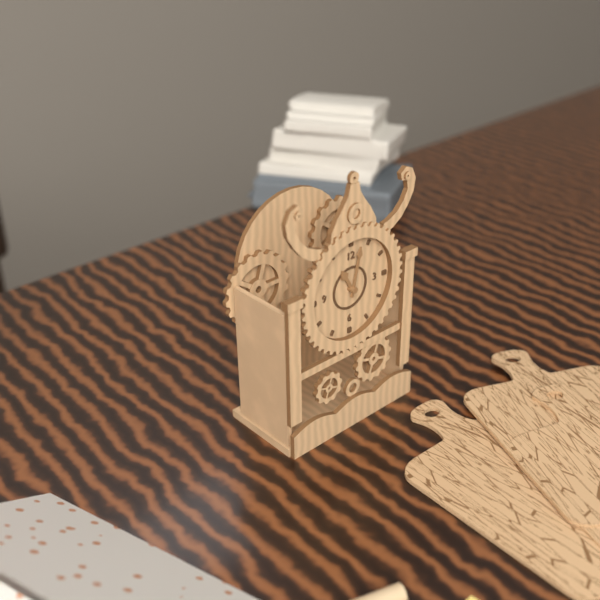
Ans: 11:02
